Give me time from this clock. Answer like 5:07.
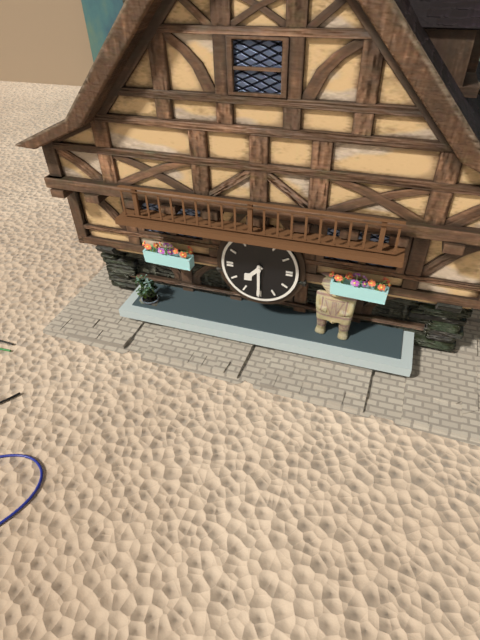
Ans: 7:30
